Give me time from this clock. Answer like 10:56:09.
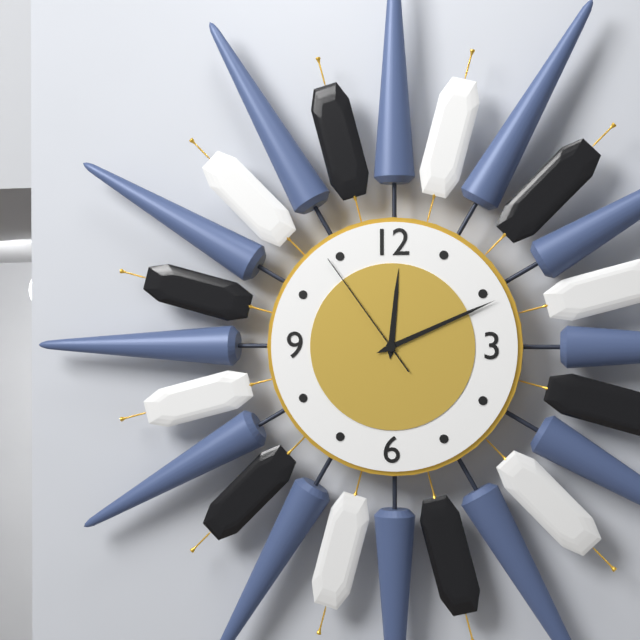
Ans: 12:11:54
